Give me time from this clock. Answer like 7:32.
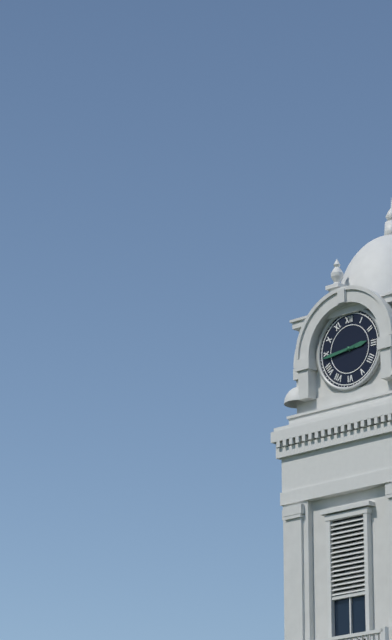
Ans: 2:44
